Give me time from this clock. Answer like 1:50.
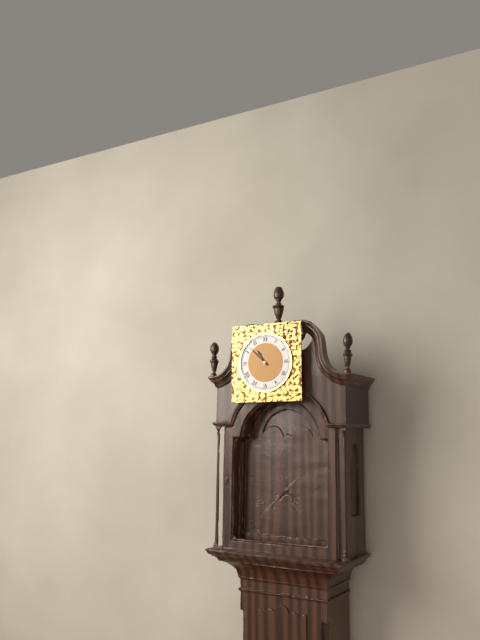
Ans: 10:52
